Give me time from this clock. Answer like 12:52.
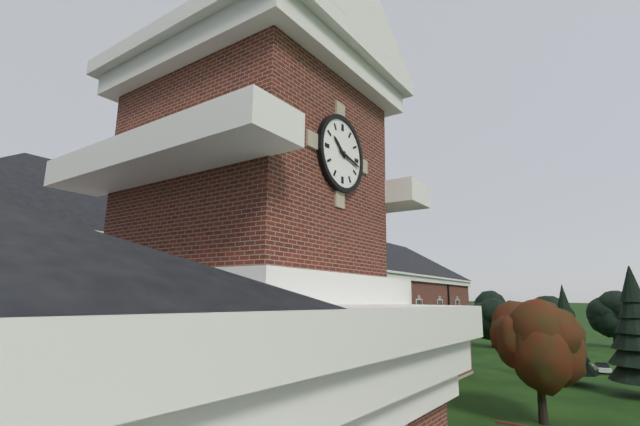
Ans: 10:17
